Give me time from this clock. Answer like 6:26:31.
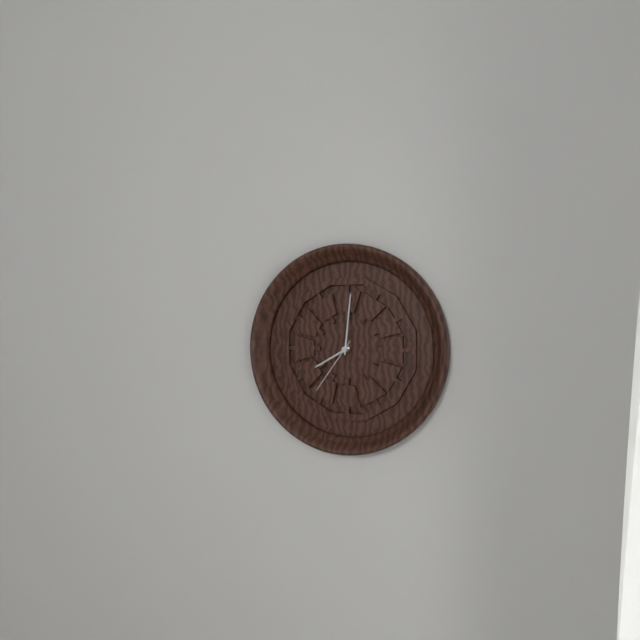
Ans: 8:01:36
